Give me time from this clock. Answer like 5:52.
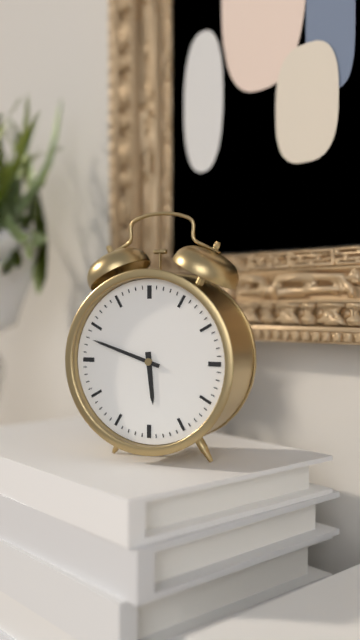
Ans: 5:48
